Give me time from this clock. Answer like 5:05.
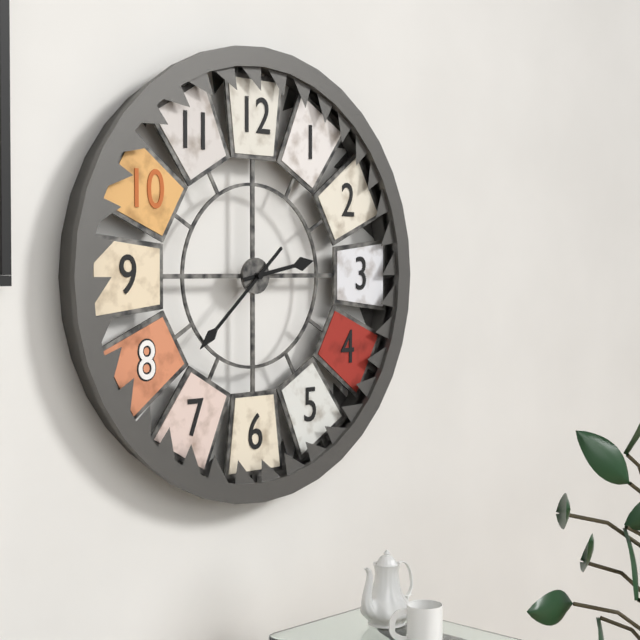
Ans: 2:38
